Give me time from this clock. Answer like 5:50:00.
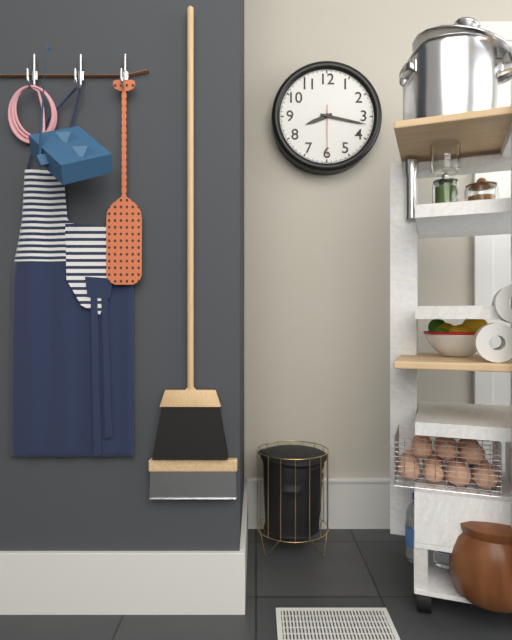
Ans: 8:17:30
